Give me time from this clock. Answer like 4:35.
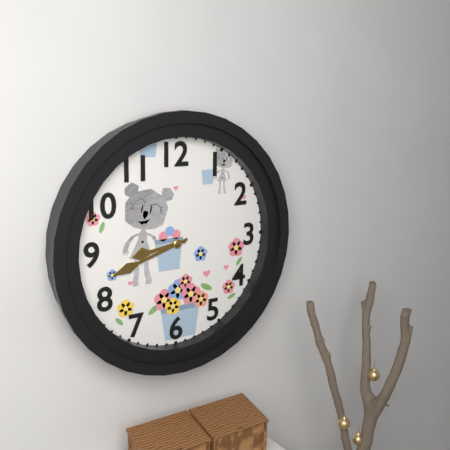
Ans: 8:42
